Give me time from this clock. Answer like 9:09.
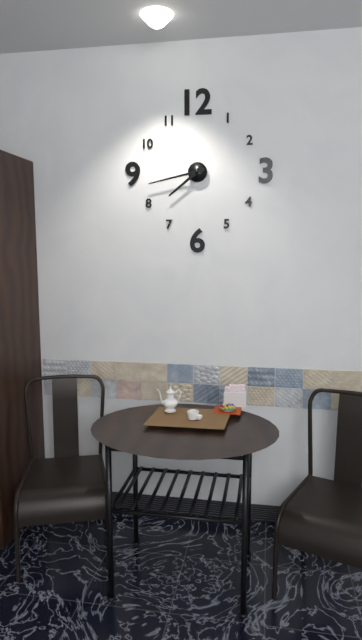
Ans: 7:43
